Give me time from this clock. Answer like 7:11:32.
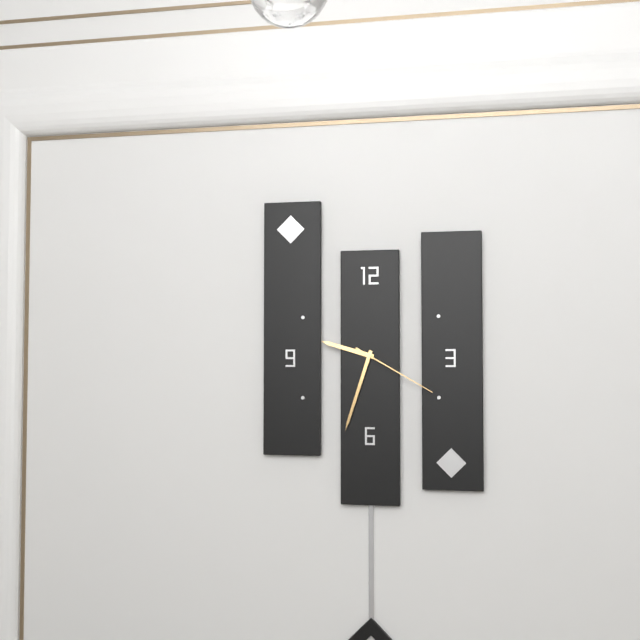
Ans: 9:33:20
